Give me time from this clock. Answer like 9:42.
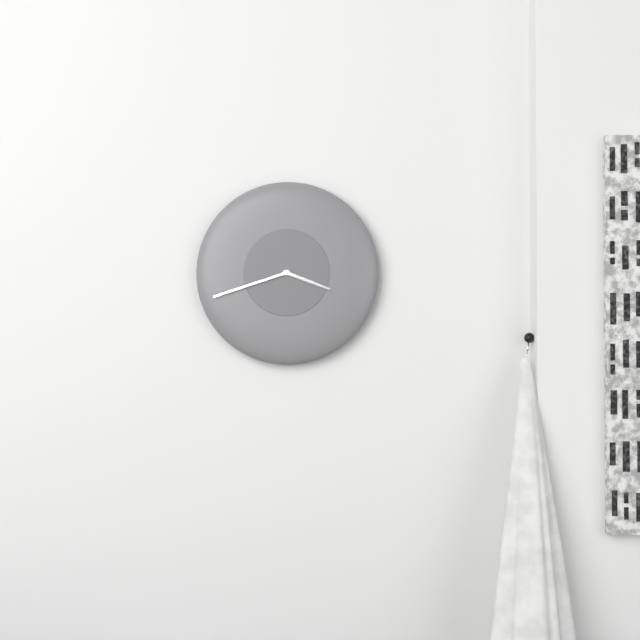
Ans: 3:42
